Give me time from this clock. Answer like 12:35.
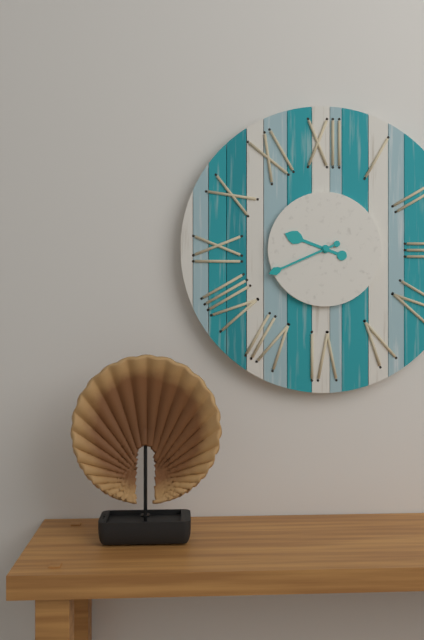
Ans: 9:41
